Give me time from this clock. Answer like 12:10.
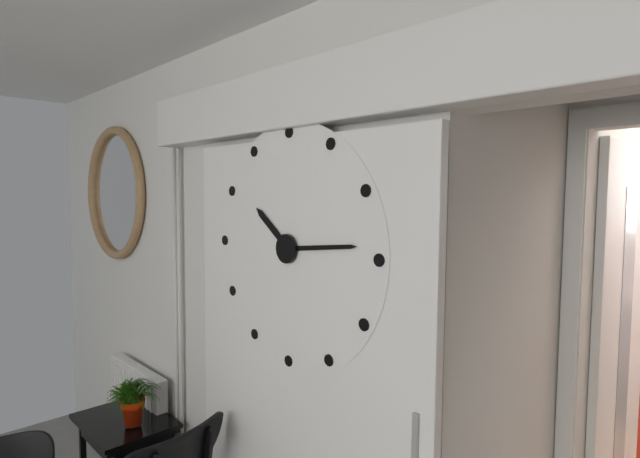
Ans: 10:14
